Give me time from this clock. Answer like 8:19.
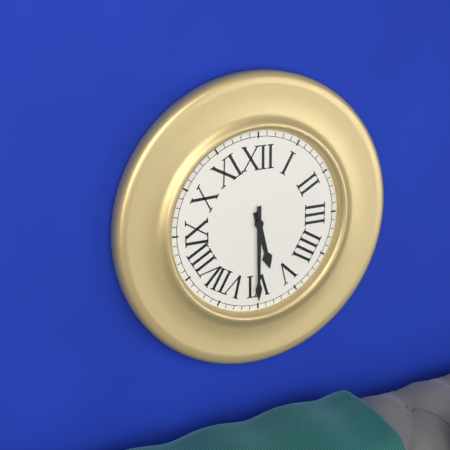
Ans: 5:30
